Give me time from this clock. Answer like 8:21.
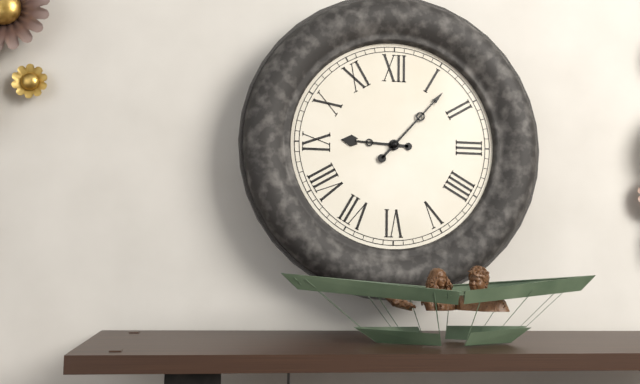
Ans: 9:07
